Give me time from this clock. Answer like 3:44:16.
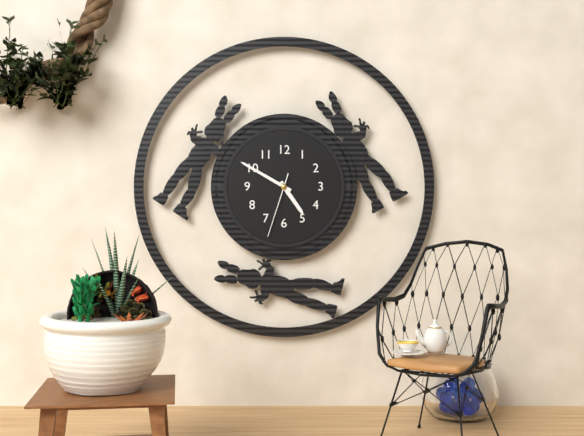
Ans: 4:50:33
